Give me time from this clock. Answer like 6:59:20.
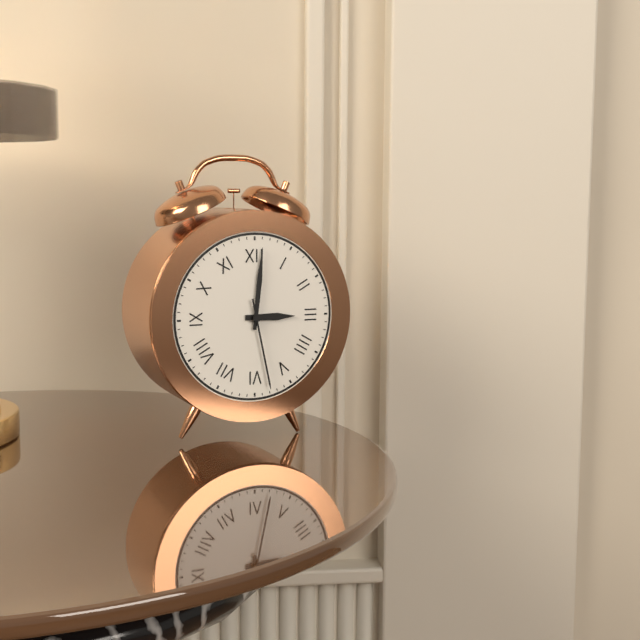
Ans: 3:01:28
